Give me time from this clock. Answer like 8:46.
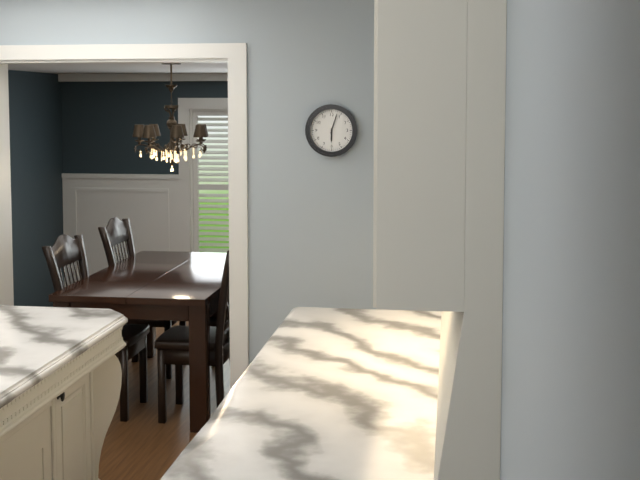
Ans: 6:03
